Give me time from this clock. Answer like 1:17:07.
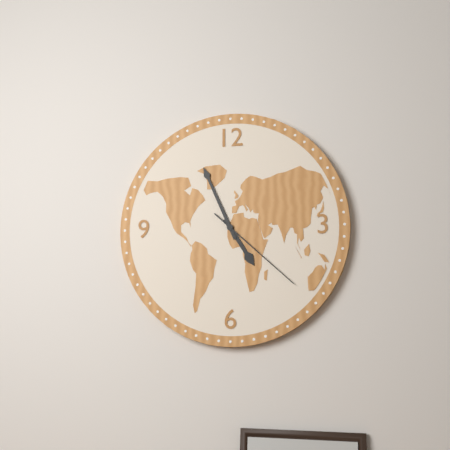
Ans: 4:56:22
